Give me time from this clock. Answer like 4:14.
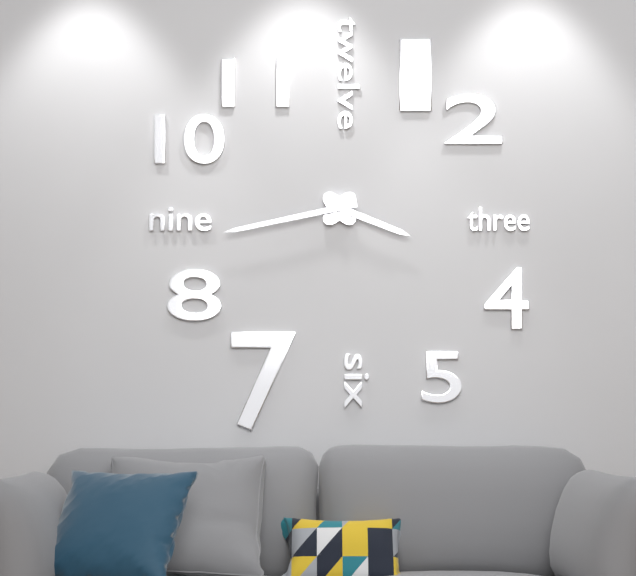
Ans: 3:43
